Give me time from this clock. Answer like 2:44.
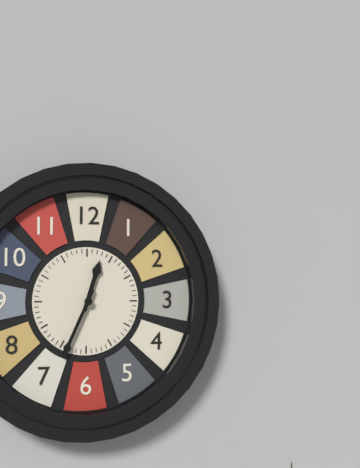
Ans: 12:34
